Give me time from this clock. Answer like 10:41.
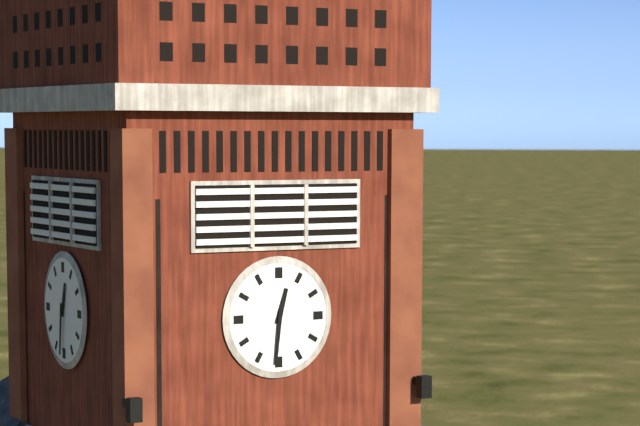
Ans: 12:31
